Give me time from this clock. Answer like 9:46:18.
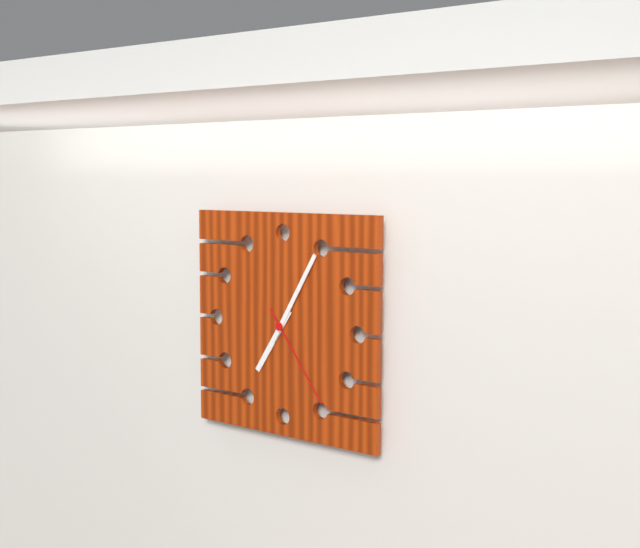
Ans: 7:05:24
